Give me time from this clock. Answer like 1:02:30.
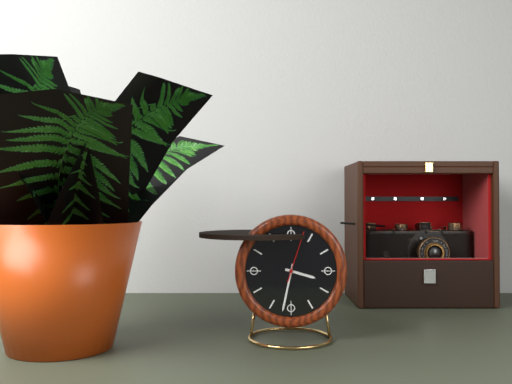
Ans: 3:32:03
